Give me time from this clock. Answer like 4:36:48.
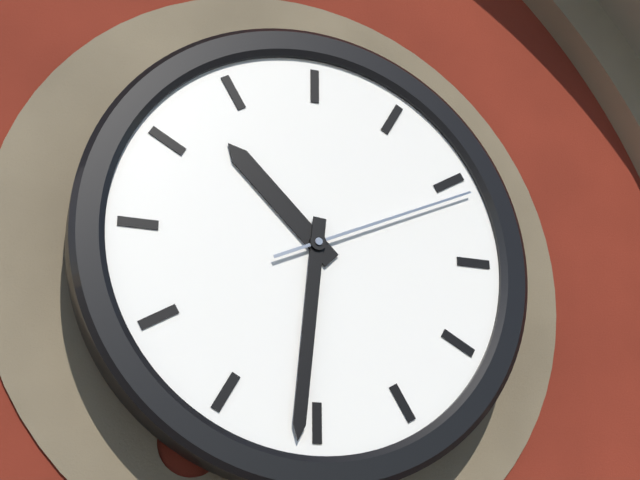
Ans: 10:31:11
